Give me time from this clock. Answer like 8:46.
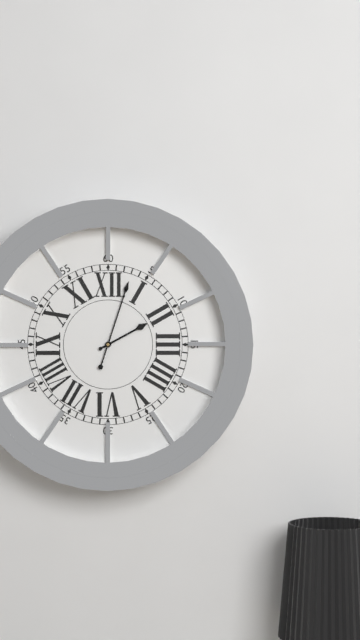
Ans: 2:03
